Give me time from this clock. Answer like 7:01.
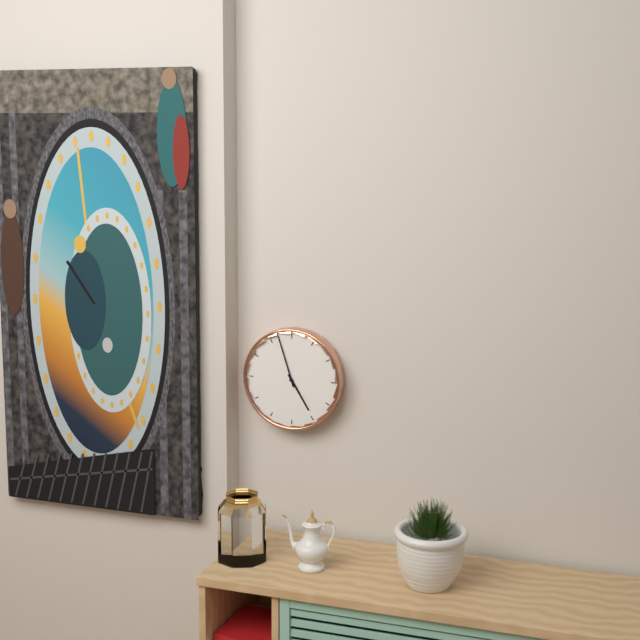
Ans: 4:57
